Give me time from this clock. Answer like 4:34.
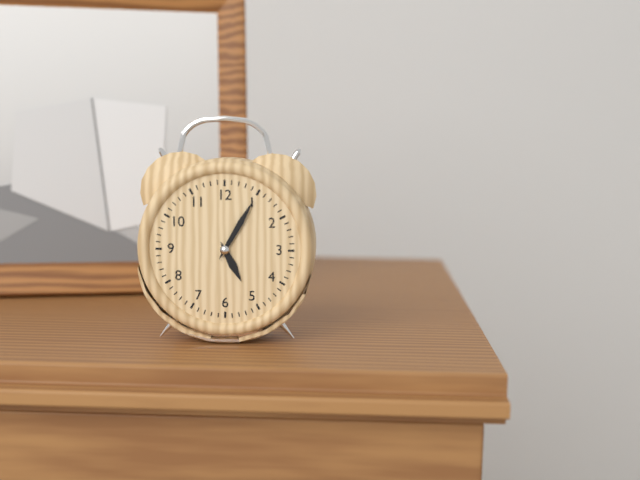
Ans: 5:05
